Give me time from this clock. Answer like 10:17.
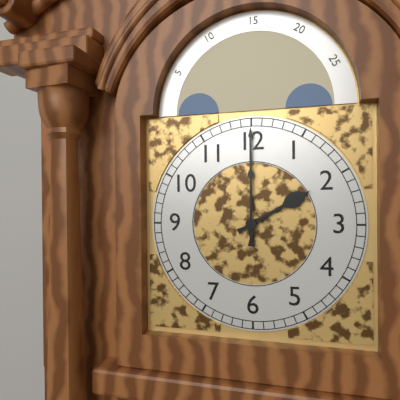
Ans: 2:00
